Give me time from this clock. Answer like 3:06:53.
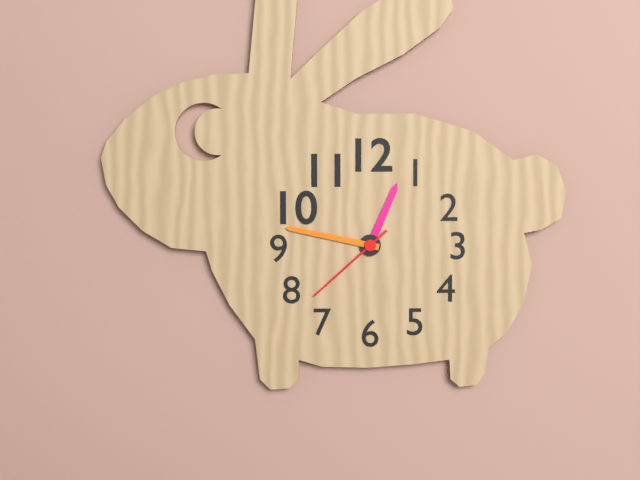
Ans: 12:47:38
